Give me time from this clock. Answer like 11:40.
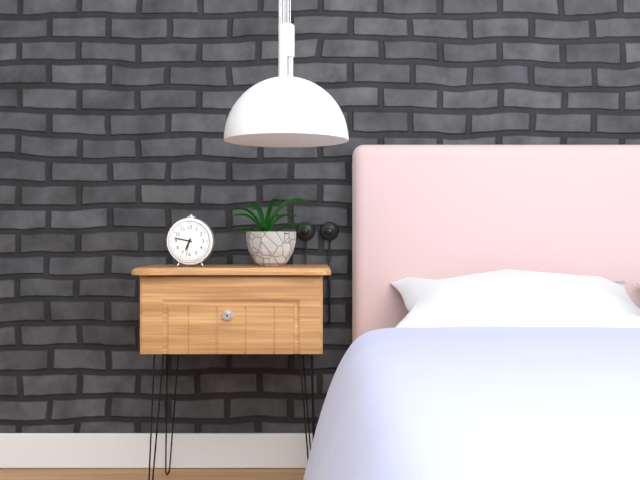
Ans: 6:47
